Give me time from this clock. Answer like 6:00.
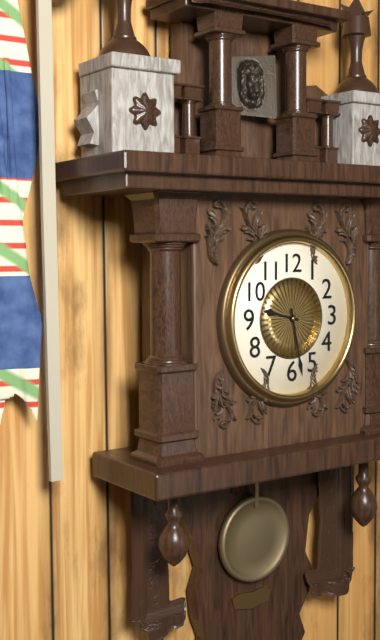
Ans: 9:28
